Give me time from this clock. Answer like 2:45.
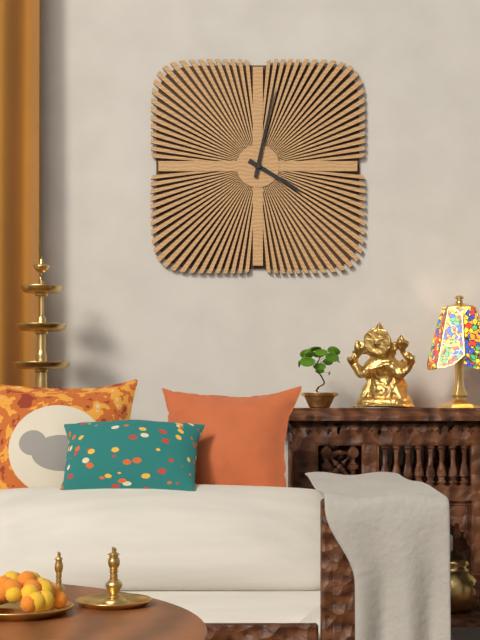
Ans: 4:02
